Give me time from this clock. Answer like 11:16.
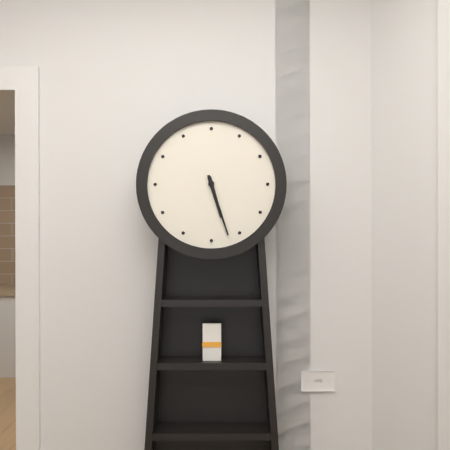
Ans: 5:27
